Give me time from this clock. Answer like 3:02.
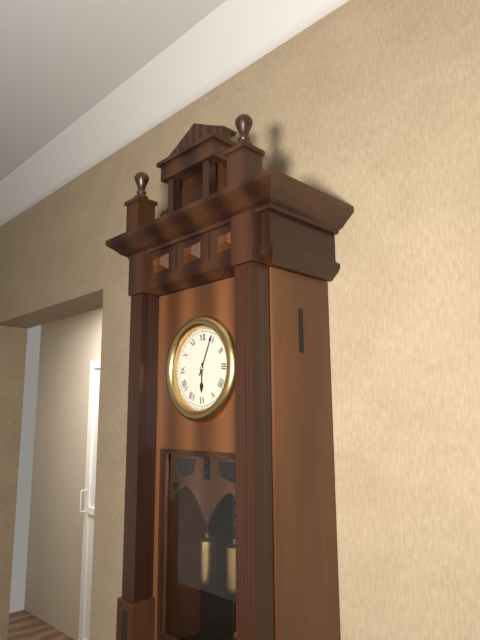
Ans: 6:04
